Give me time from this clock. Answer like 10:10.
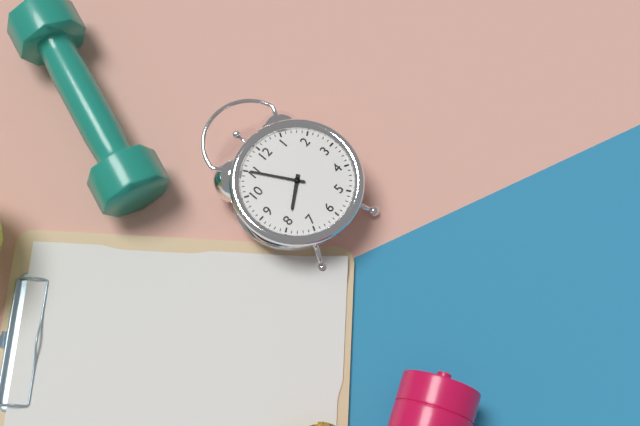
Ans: 7:55
